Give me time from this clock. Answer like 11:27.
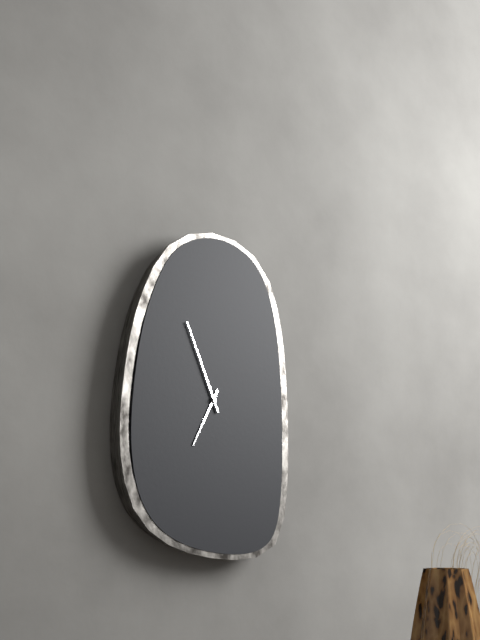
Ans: 6:56
